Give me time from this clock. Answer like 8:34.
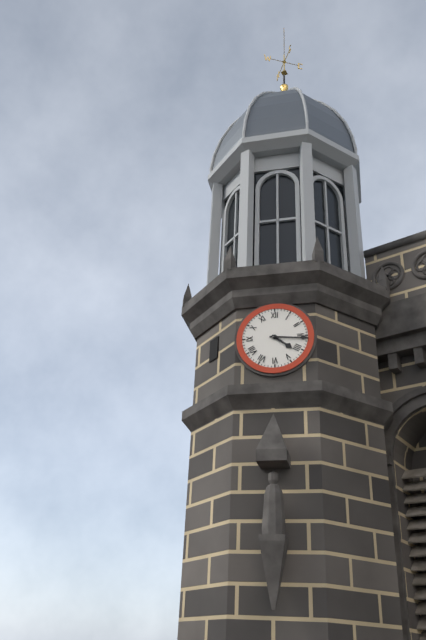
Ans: 4:16
